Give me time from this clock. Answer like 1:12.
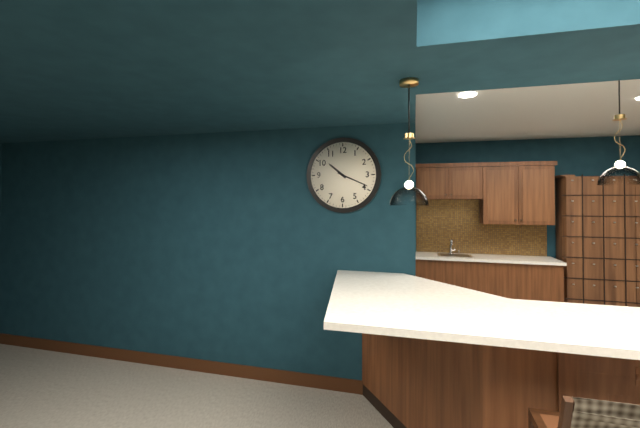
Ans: 10:19
